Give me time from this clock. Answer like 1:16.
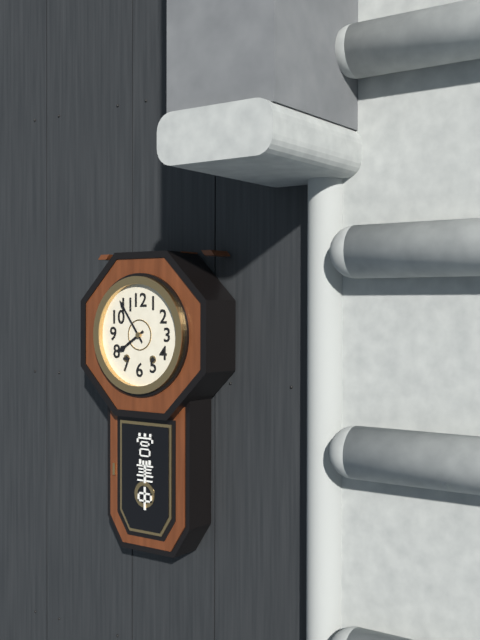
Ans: 7:54
